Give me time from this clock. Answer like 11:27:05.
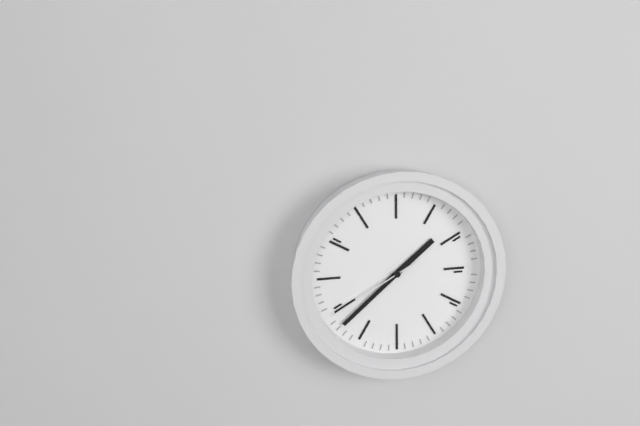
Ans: 1:38:40
